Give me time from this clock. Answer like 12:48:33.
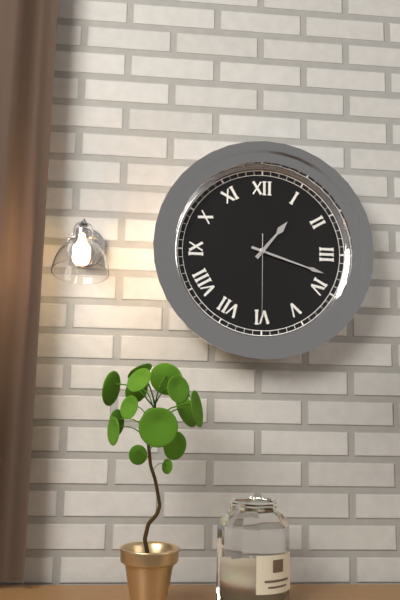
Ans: 1:18:30
